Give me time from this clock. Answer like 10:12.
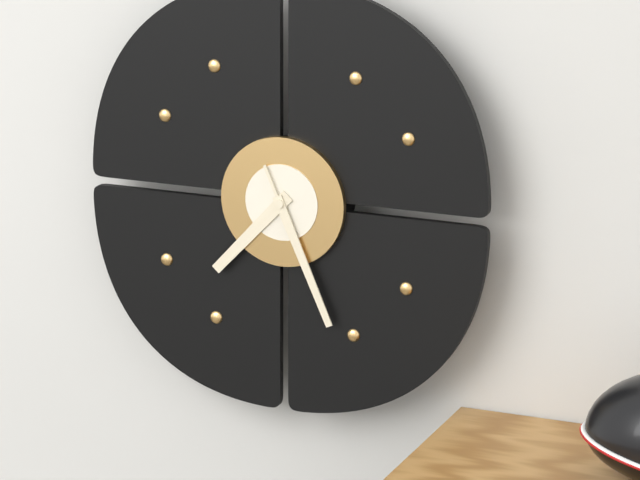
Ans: 7:26
